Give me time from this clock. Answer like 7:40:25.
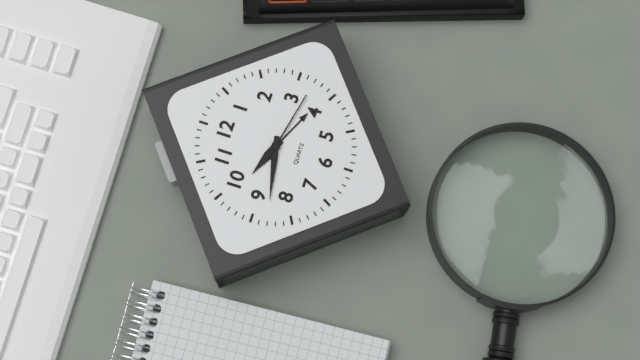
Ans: 9:43:17
